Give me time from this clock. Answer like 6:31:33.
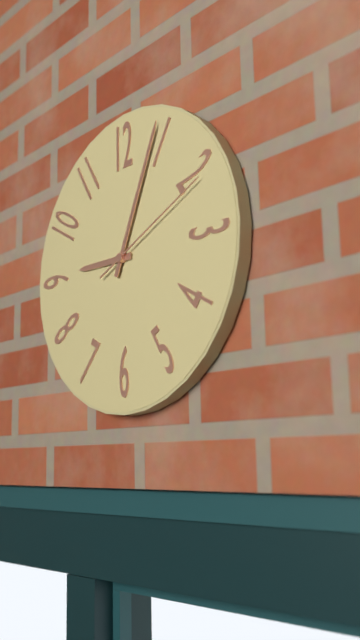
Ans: 9:04:11
